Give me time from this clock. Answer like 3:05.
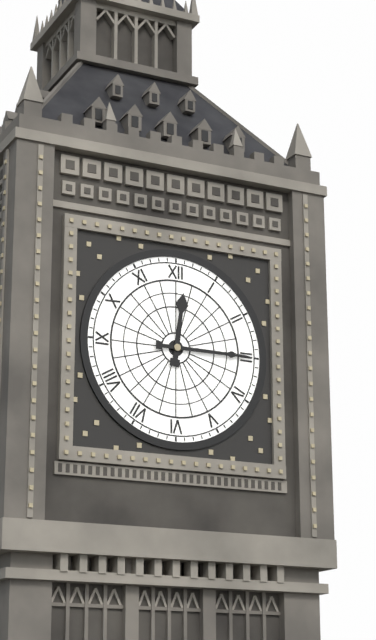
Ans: 12:15
